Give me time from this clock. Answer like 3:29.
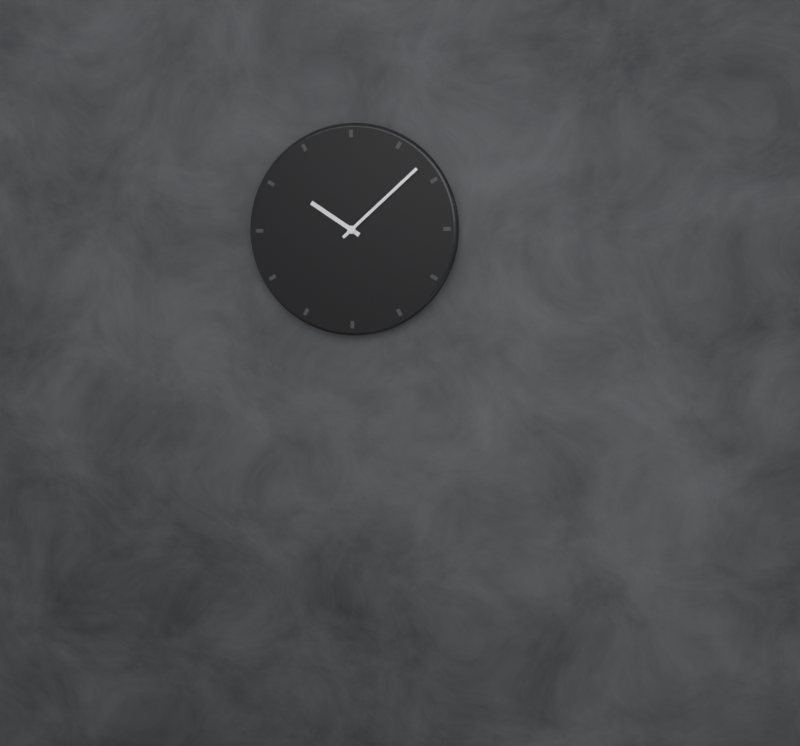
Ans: 10:08
